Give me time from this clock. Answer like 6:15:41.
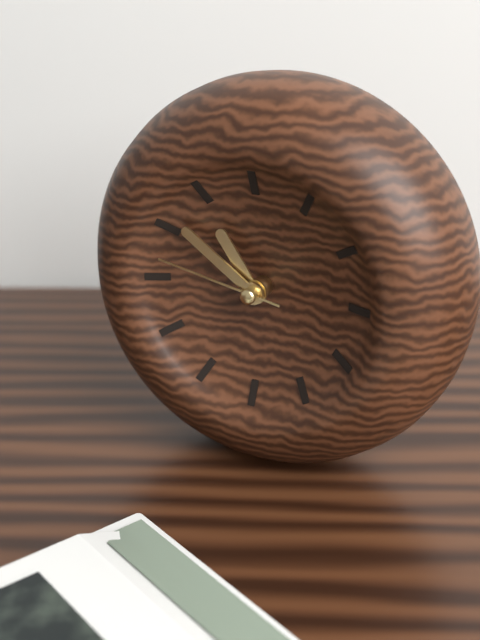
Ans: 10:51:47
